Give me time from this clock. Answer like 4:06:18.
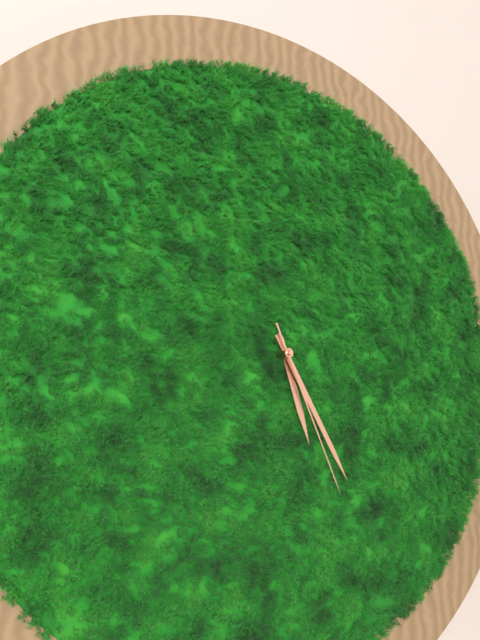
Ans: 5:25:26
